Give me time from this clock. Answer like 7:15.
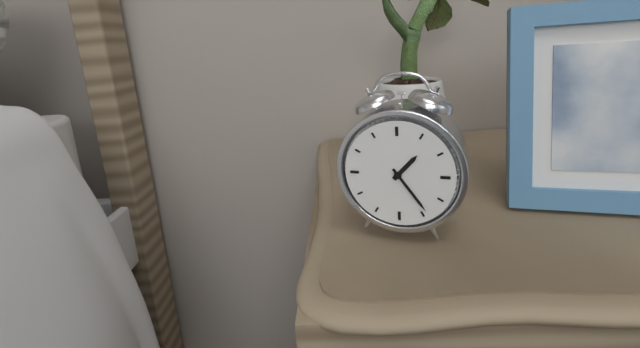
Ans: 1:24
